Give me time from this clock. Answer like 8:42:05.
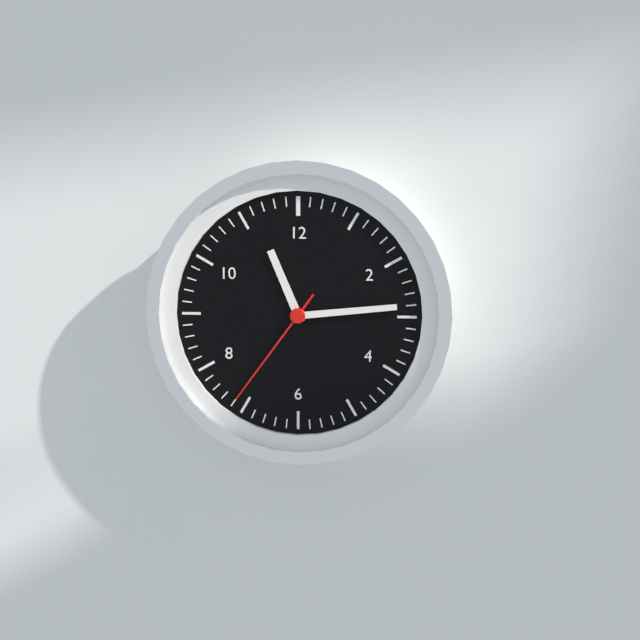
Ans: 11:14:36
